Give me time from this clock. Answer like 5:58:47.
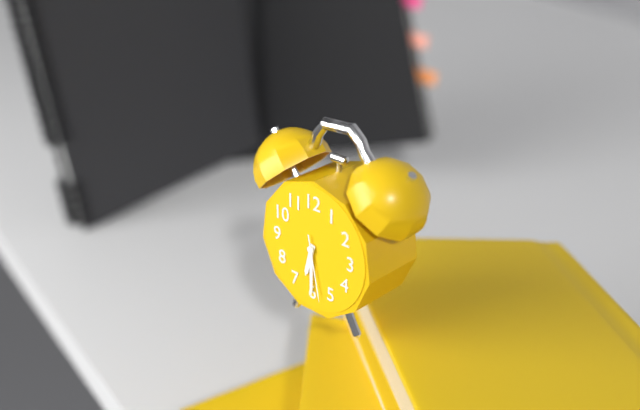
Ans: 6:30:28
